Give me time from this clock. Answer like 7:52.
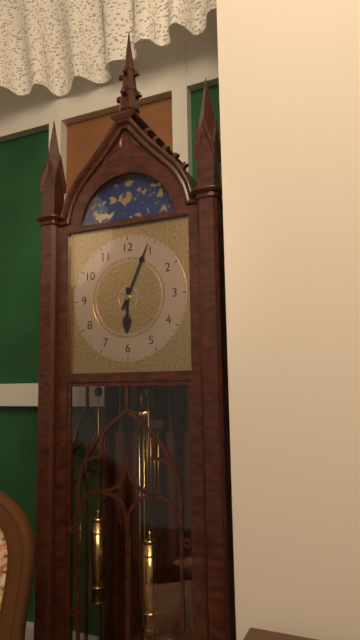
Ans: 6:04
